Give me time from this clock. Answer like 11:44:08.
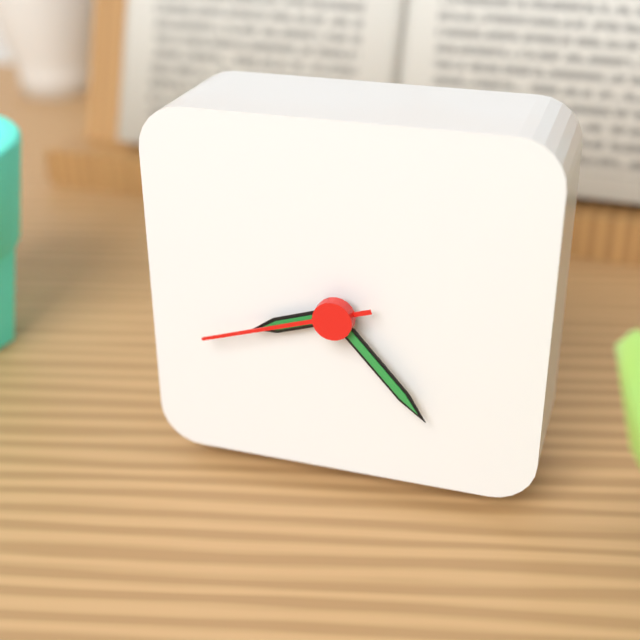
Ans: 8:23:42
